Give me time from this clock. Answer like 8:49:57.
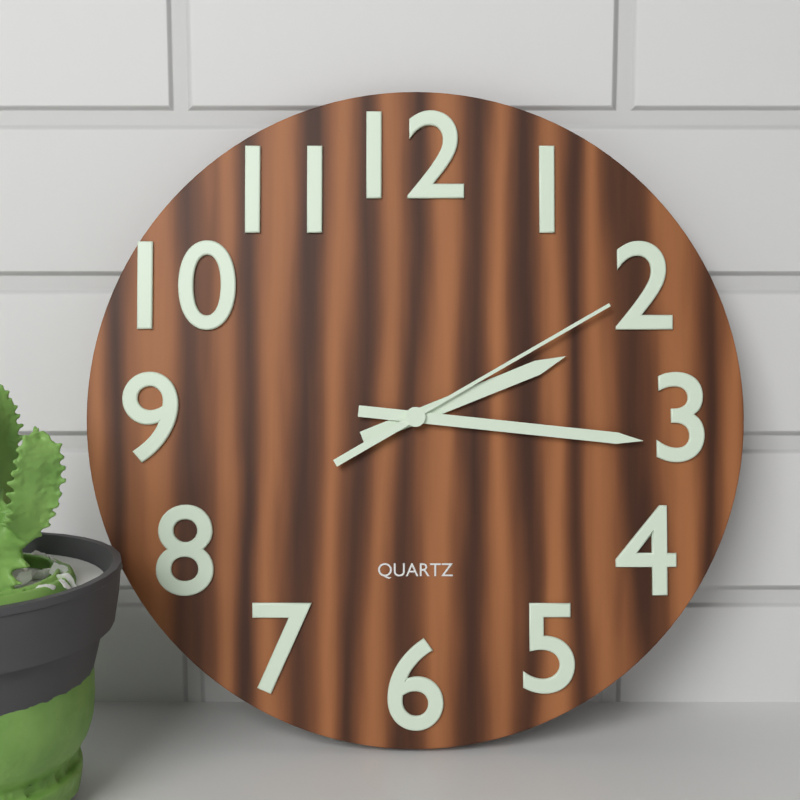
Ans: 2:16:10
